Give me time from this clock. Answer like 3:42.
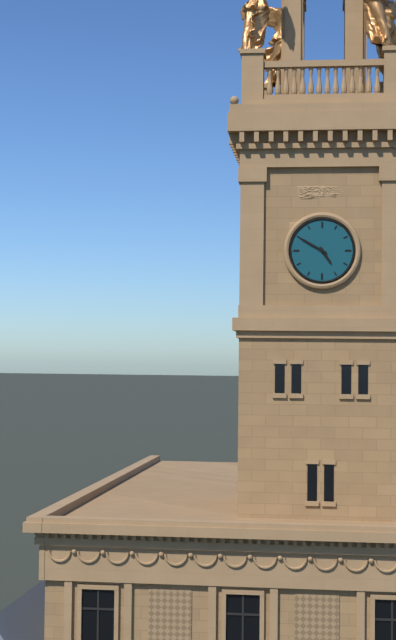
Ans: 4:50
